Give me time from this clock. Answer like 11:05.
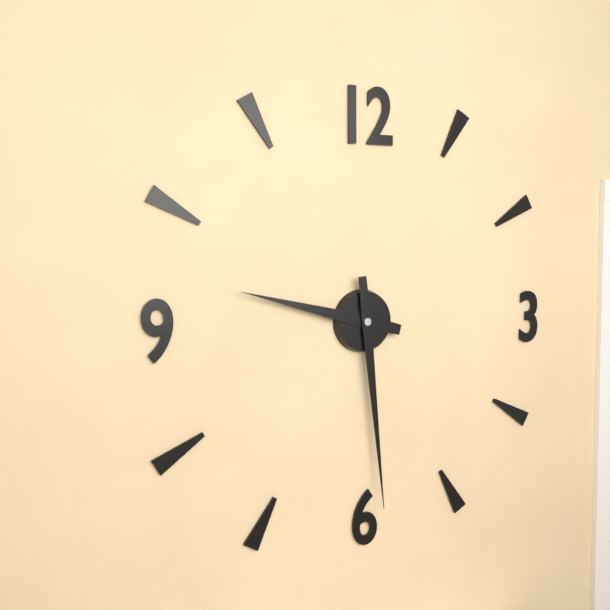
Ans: 9:29
